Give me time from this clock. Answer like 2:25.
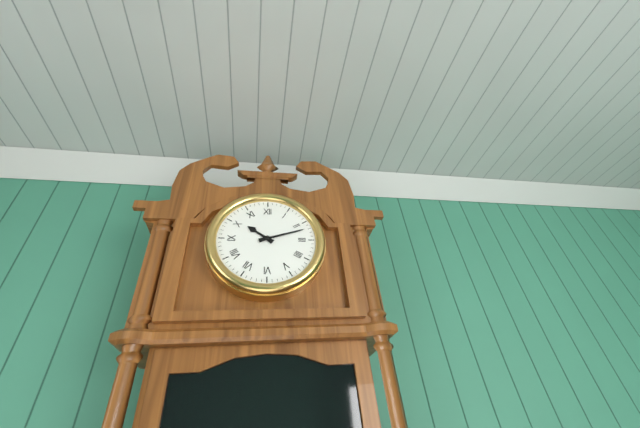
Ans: 10:12
